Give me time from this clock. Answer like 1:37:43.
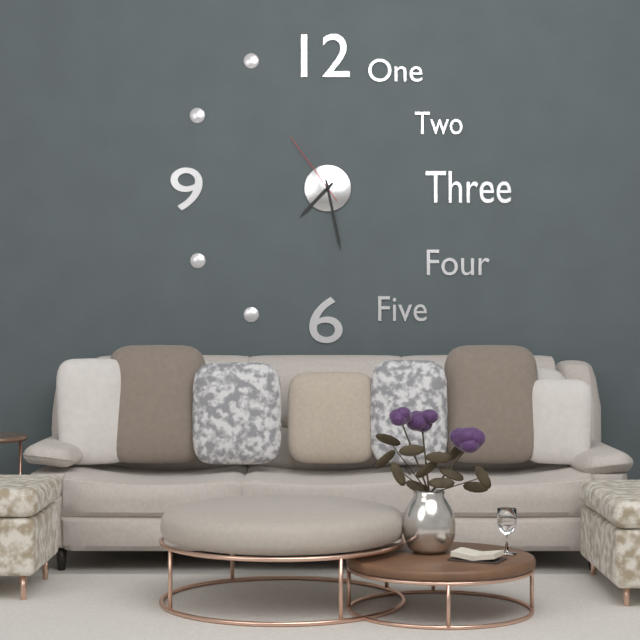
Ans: 7:28:54
